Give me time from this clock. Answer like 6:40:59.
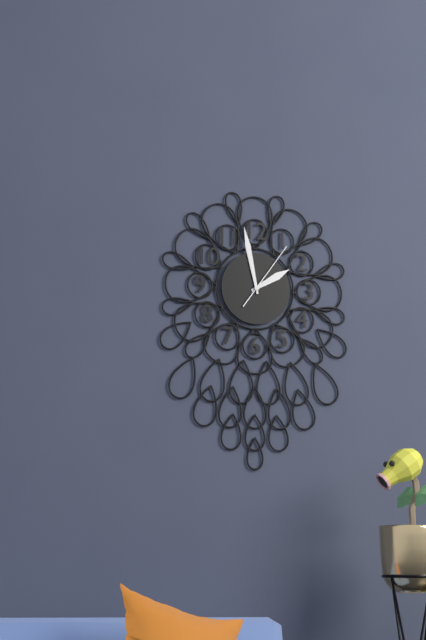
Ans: 1:58:06
